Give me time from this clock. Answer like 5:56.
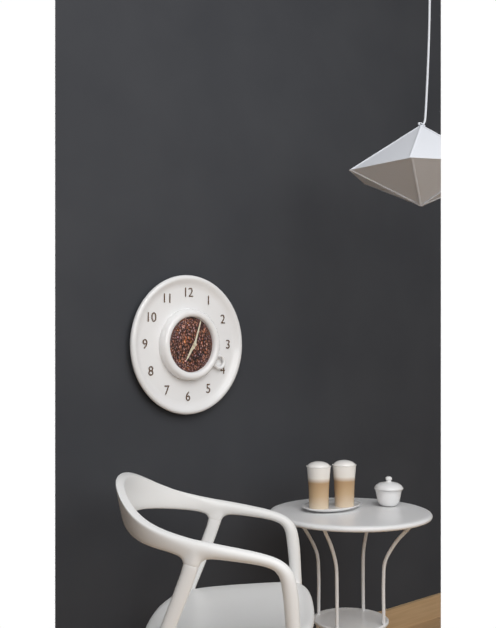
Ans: 7:03
